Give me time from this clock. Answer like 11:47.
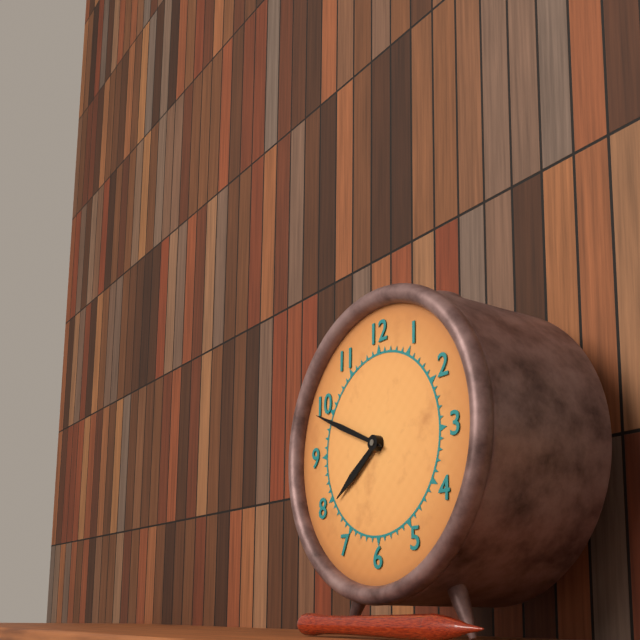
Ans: 7:49
